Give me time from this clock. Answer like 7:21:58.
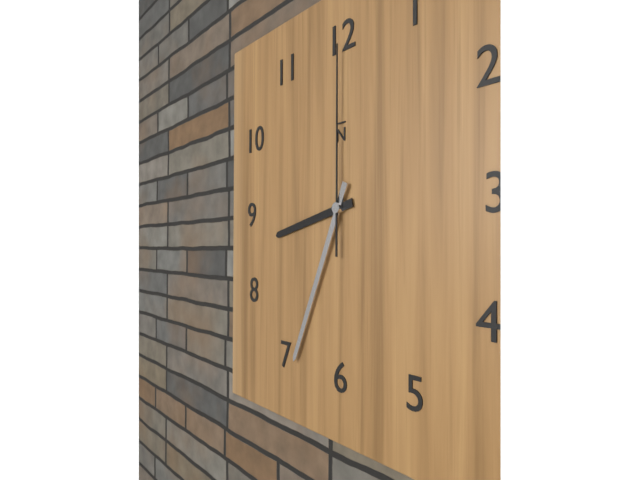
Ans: 8:34:00
